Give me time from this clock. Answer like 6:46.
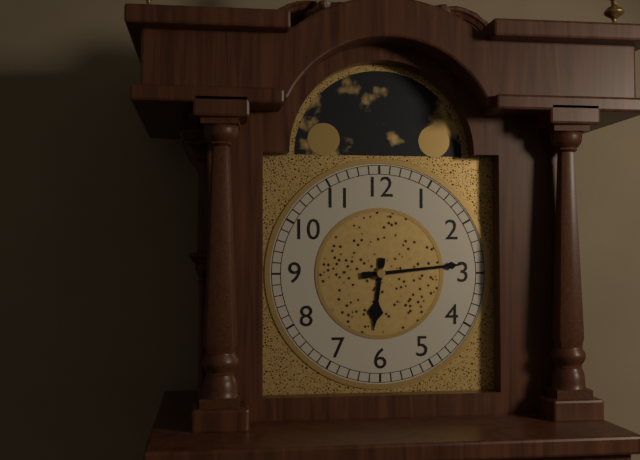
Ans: 6:14
